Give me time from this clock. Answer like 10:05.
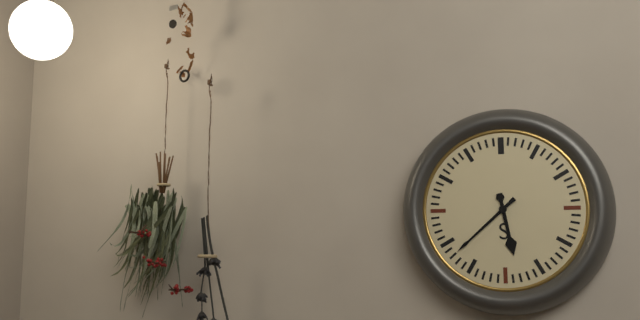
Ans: 5:38
